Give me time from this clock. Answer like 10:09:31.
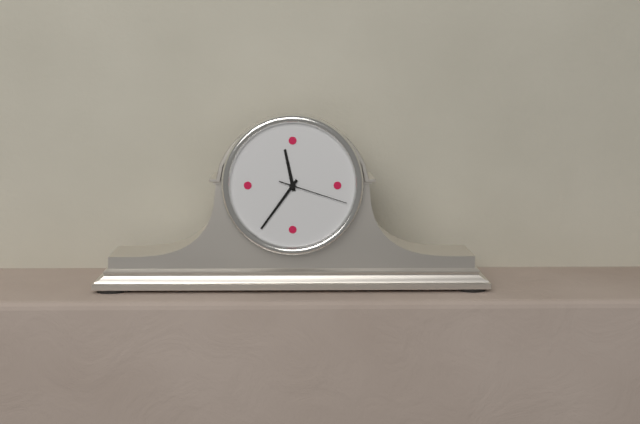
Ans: 11:36:18
